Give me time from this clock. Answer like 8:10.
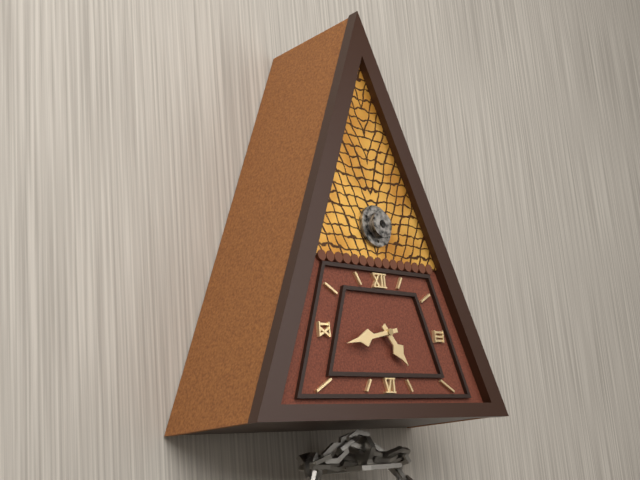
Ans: 4:43
